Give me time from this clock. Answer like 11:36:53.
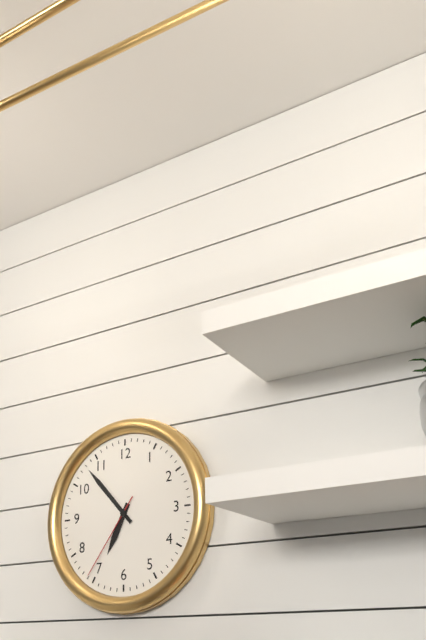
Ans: 6:53:36
